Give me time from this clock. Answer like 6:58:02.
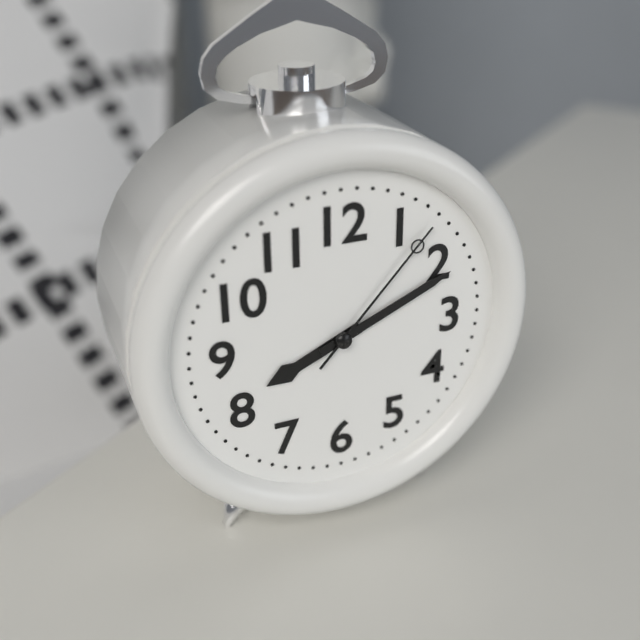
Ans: 8:11:07
